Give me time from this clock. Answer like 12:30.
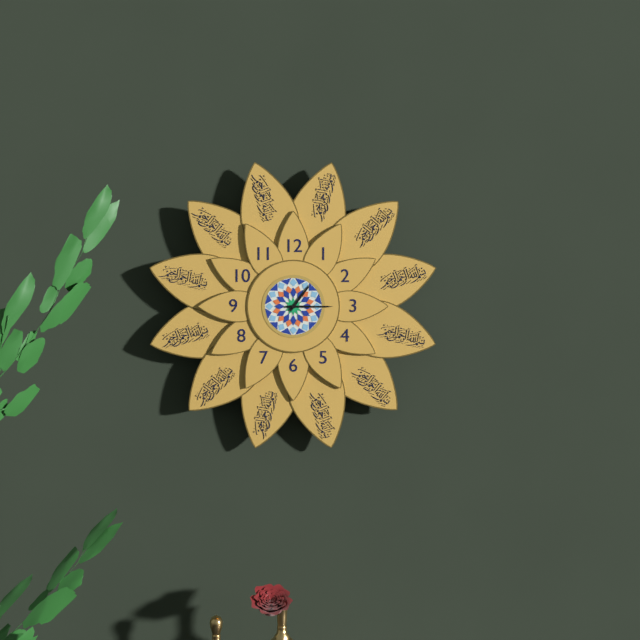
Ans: 1:15
